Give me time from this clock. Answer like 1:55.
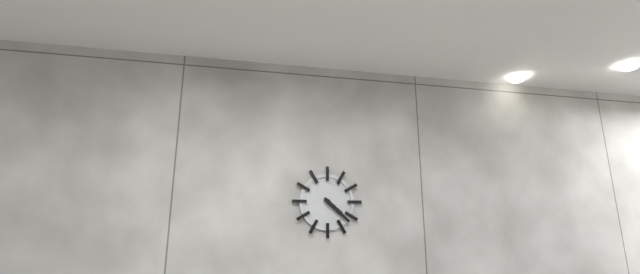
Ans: 4:22
